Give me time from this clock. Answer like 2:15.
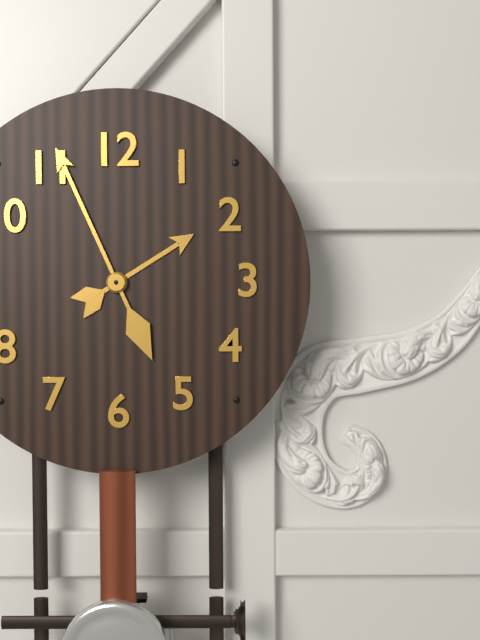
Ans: 1:56
